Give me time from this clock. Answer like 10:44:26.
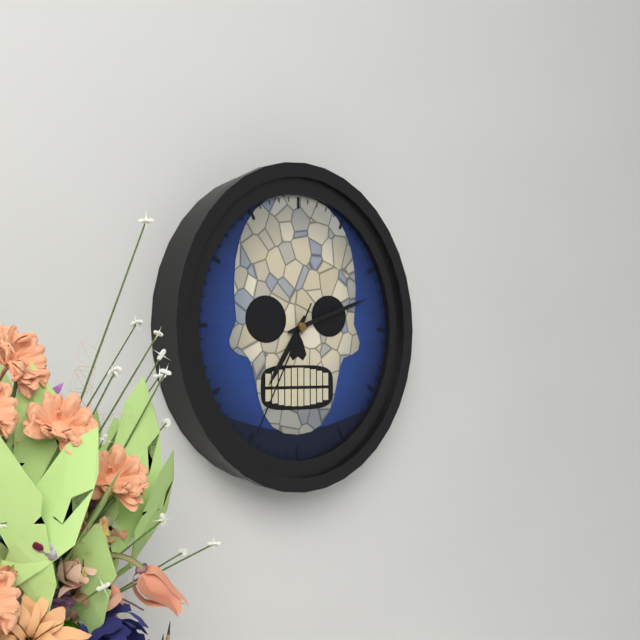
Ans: 7:12:35
